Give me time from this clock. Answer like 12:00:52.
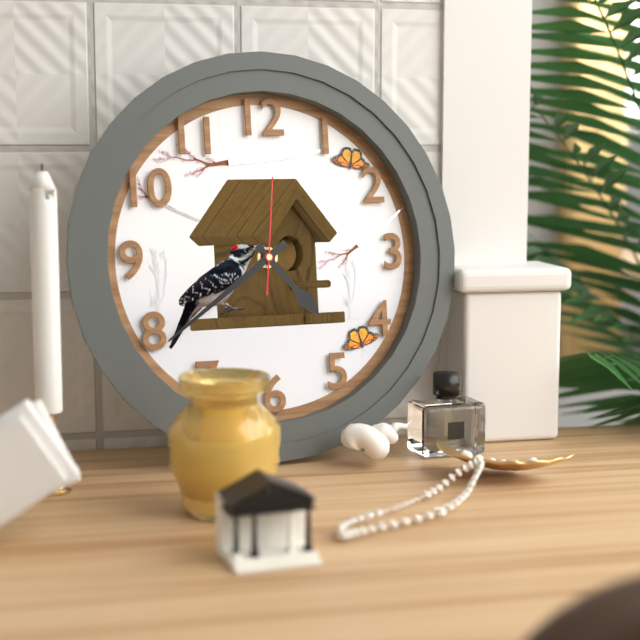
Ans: 4:39:01
